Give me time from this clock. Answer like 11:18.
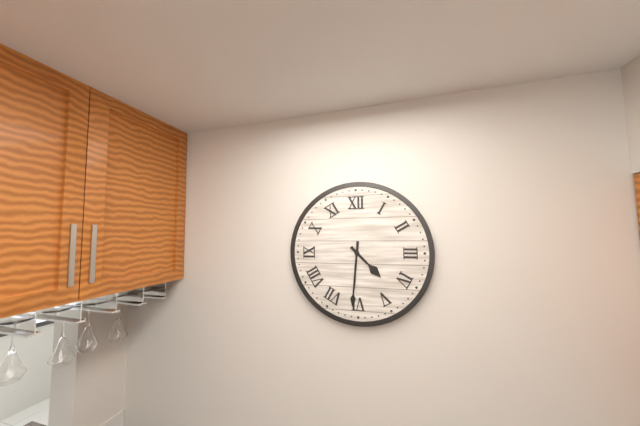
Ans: 4:31
